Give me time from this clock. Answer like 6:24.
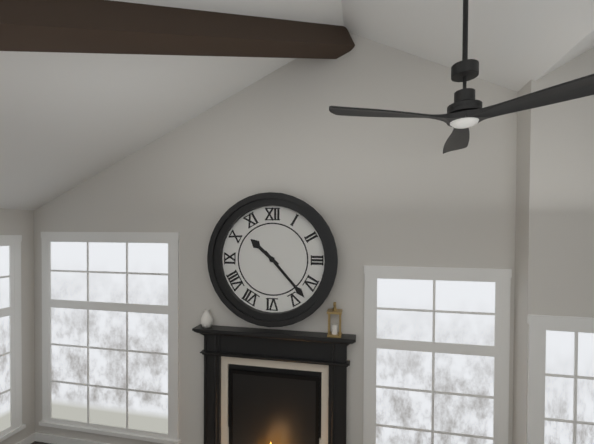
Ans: 10:23
